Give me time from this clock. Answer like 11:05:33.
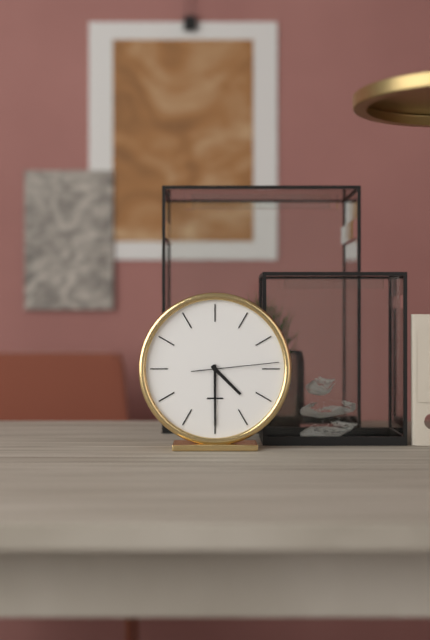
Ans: 4:30:14
